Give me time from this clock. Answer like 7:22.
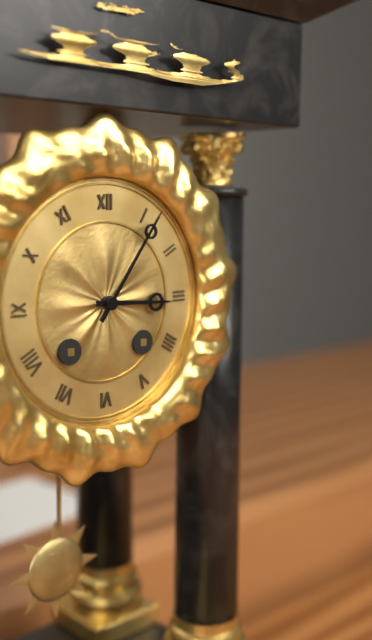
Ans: 3:06
